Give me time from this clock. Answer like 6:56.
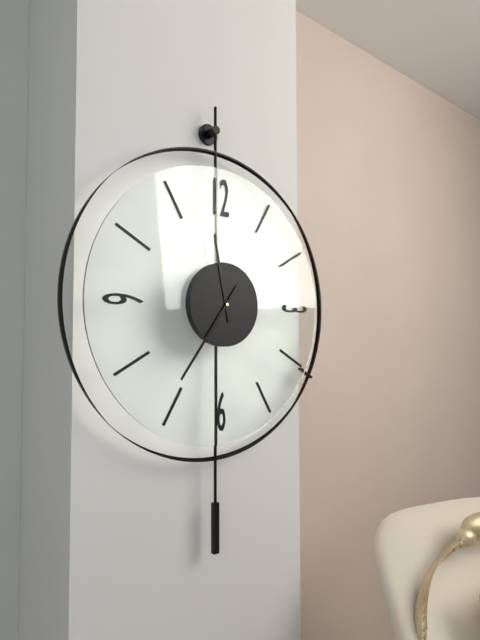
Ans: 11:36
